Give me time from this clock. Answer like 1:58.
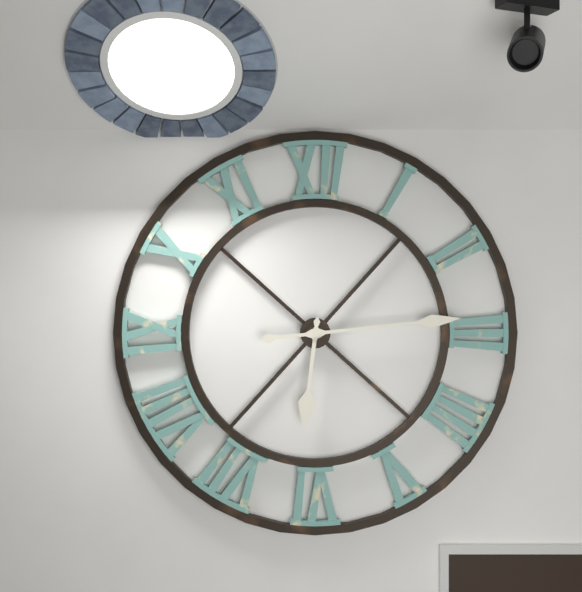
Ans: 6:14
